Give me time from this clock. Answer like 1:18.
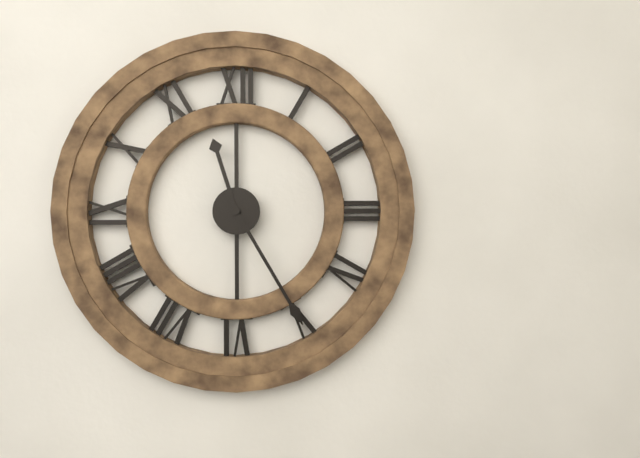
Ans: 11:25
